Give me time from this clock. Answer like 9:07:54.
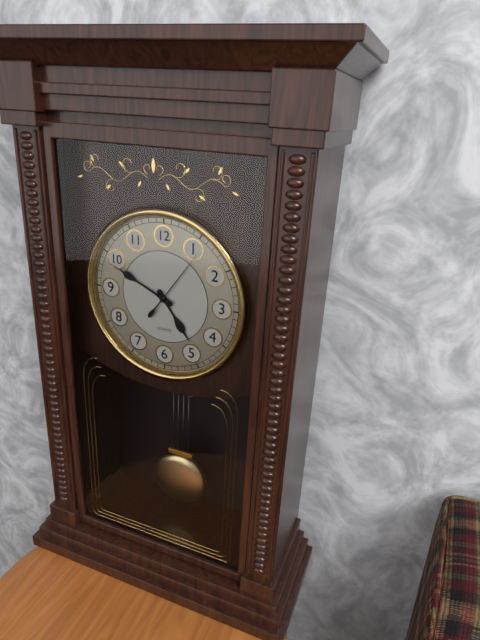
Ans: 4:49:06
